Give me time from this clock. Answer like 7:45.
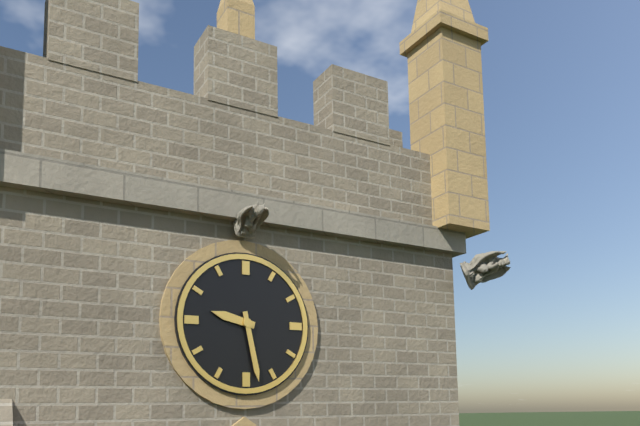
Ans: 9:28
